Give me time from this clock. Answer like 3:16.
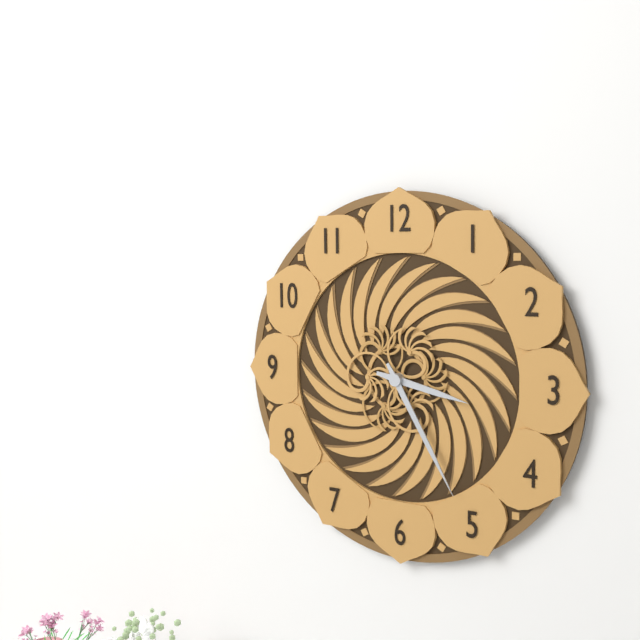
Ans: 3:25
